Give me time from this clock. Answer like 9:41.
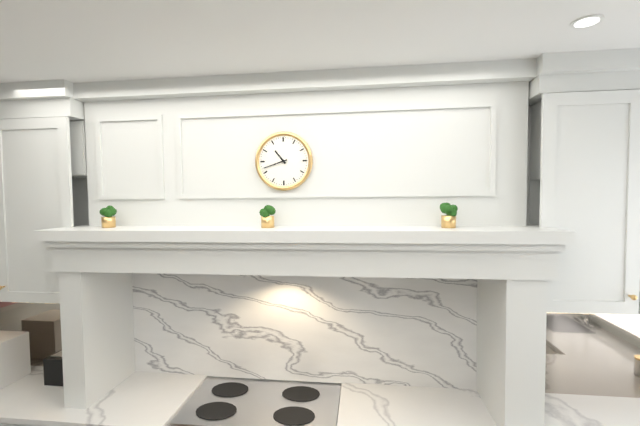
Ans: 10:42
